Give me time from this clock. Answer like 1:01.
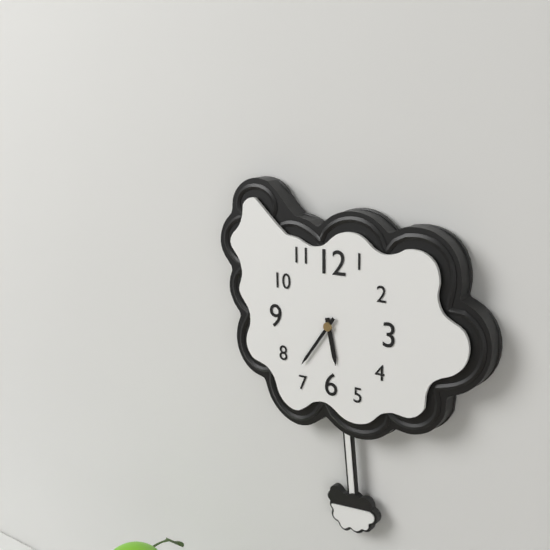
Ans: 5:36
